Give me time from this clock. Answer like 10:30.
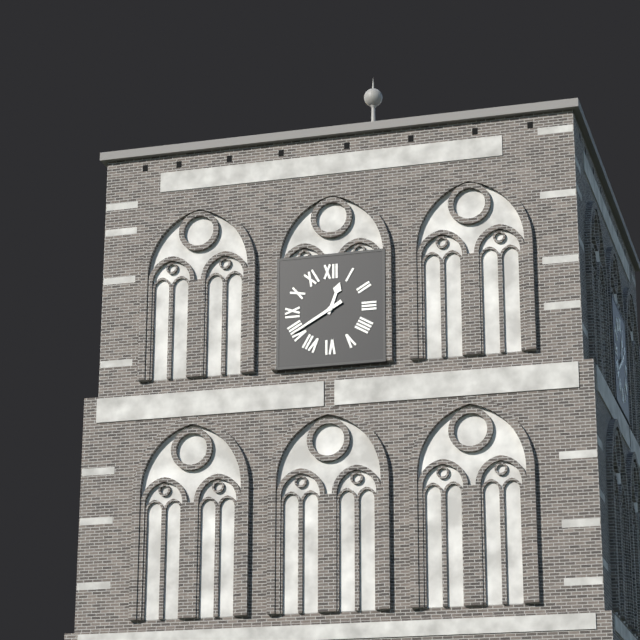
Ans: 12:40
